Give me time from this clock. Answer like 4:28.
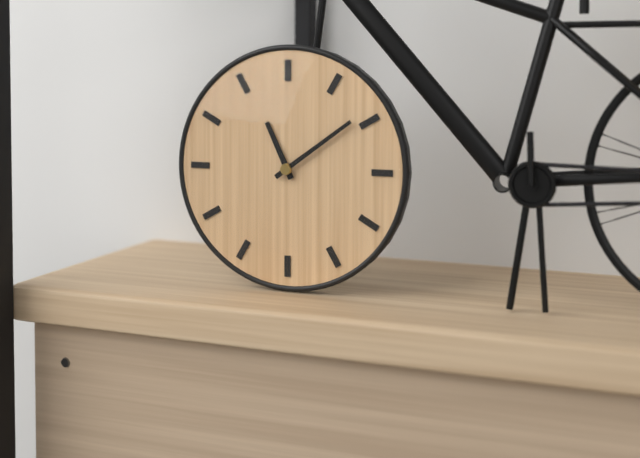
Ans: 11:09
